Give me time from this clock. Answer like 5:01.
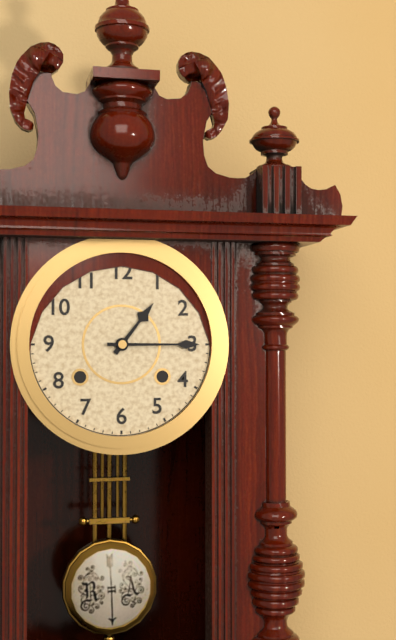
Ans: 1:15
